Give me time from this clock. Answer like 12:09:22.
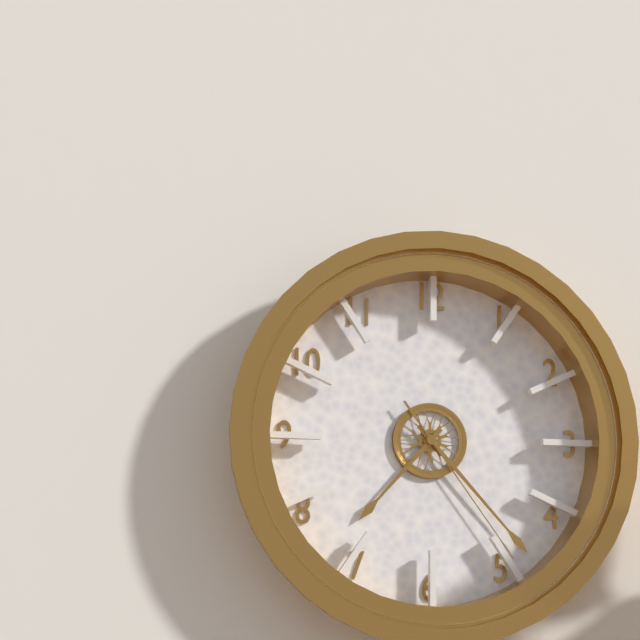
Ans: 7:23:24
